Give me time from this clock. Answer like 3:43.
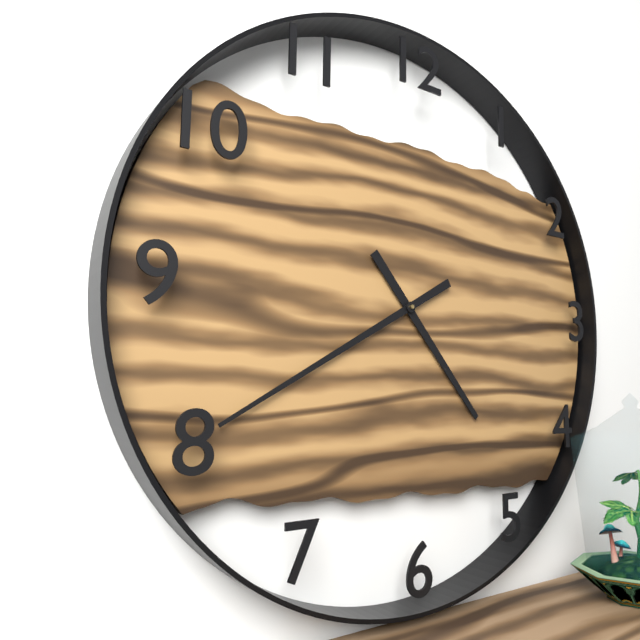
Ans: 4:40
